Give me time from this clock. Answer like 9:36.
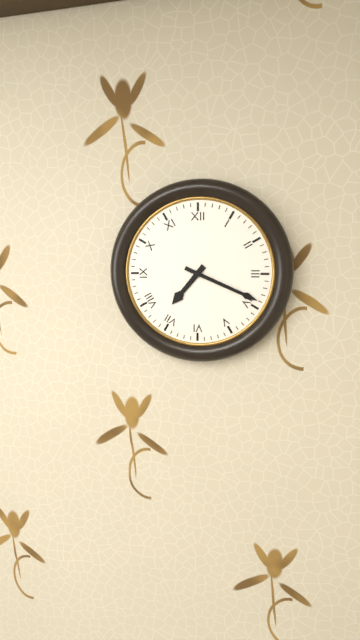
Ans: 7:19
